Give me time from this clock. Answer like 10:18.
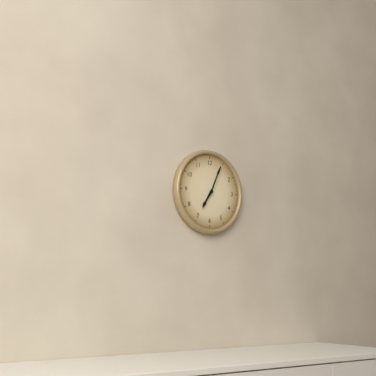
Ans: 7:04
